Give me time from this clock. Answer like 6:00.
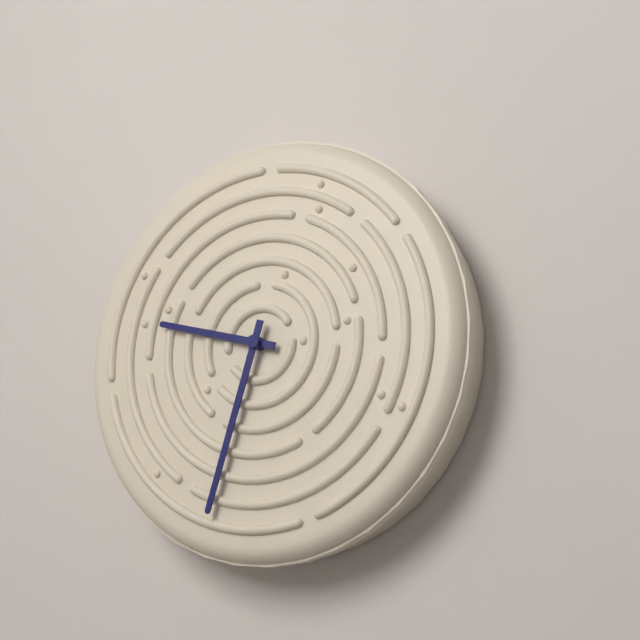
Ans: 9:33
